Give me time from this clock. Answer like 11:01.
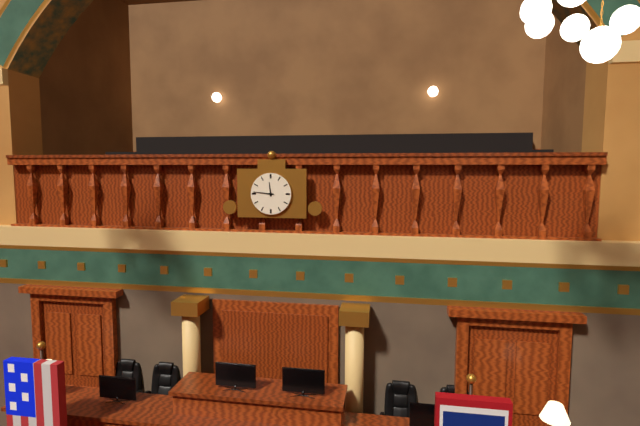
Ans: 11:46
